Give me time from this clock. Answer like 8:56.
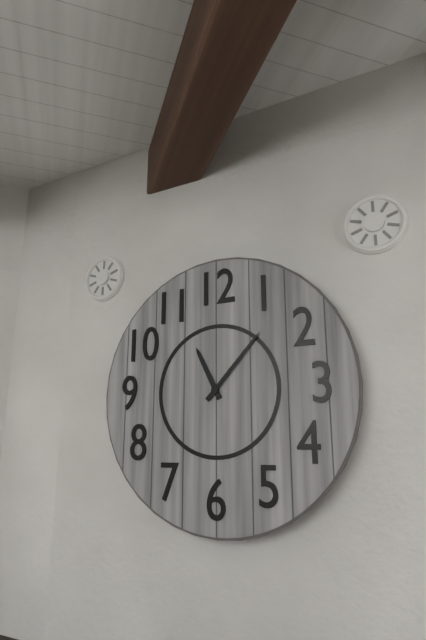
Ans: 11:07
